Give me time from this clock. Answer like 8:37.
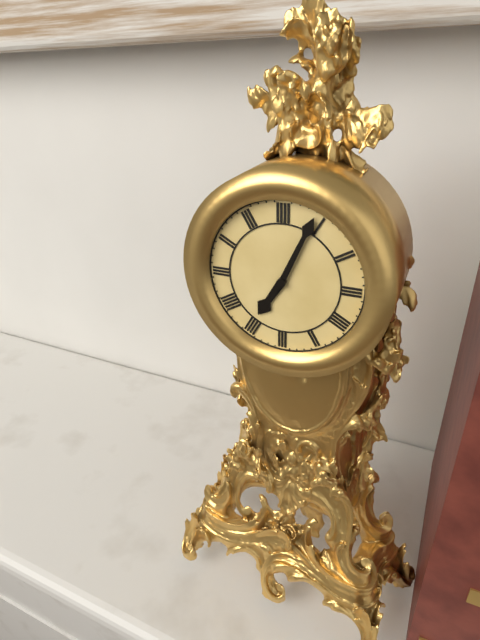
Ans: 7:04
